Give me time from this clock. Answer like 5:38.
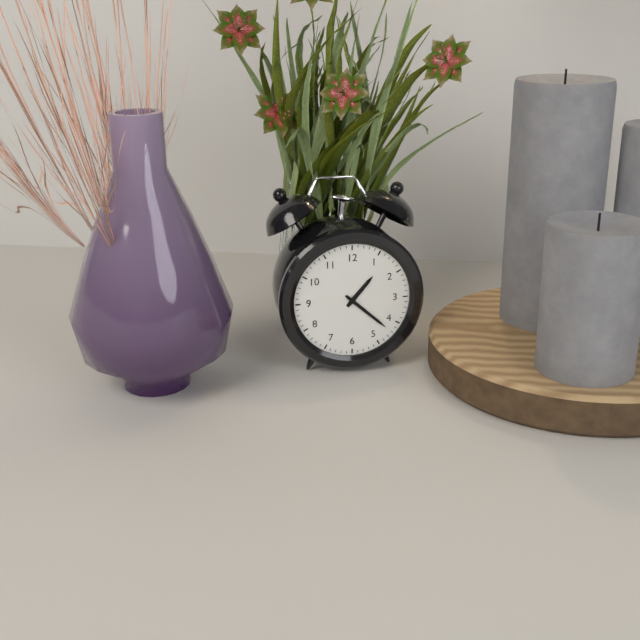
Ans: 1:22
